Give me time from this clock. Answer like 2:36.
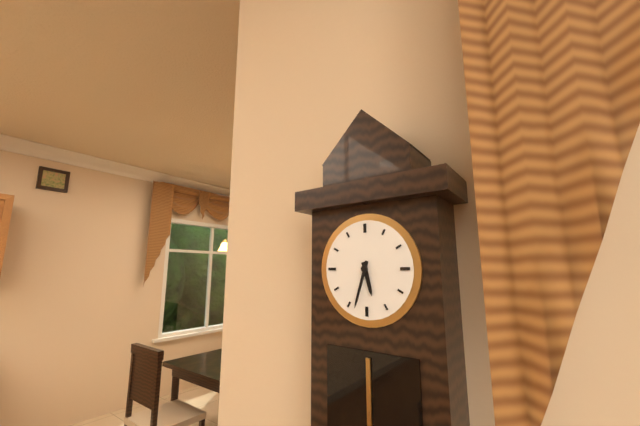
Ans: 5:33
